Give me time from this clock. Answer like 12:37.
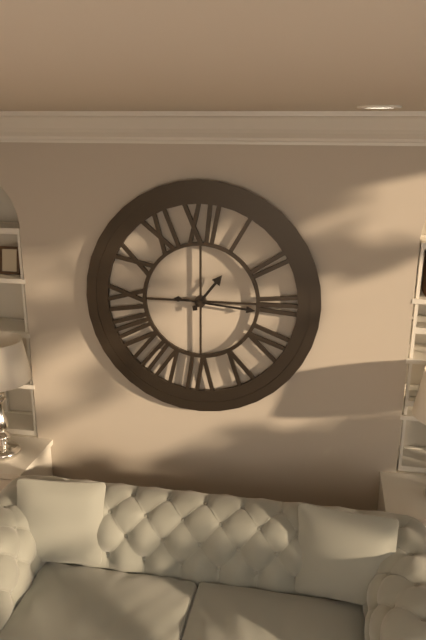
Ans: 1:16
